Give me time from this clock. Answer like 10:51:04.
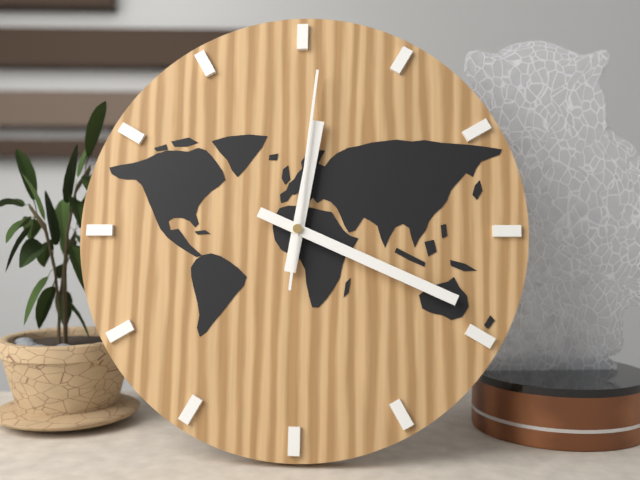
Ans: 12:19:01
